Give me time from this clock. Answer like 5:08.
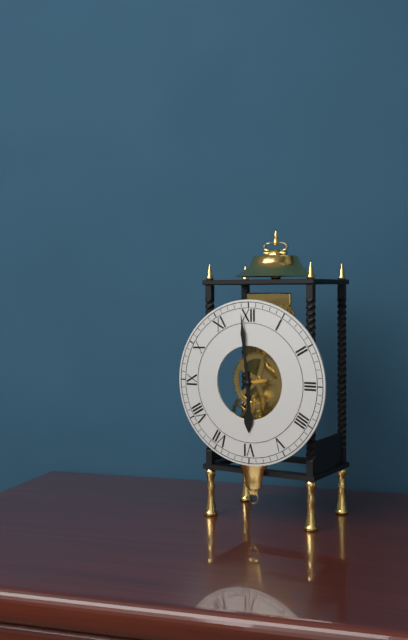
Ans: 5:59
